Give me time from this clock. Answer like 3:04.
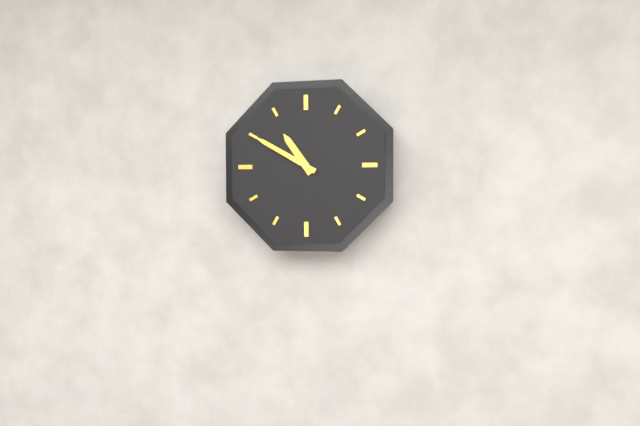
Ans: 10:50
